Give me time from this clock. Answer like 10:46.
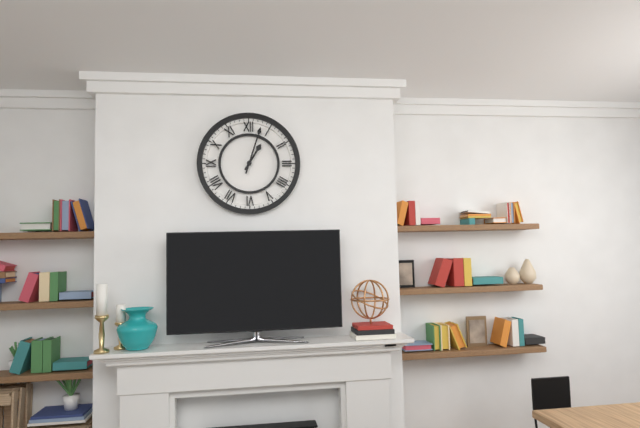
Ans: 1:03
